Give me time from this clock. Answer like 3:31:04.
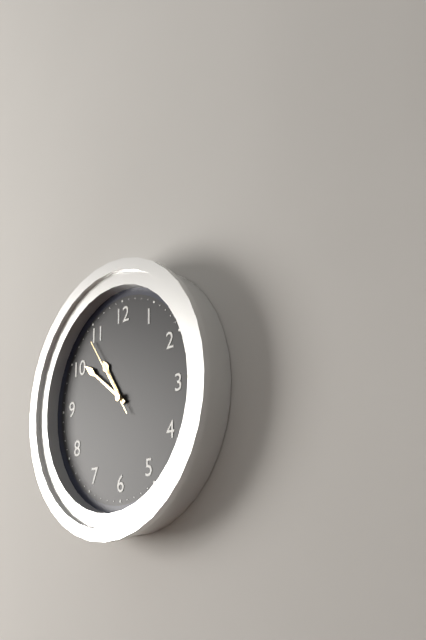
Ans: 10:51:54
